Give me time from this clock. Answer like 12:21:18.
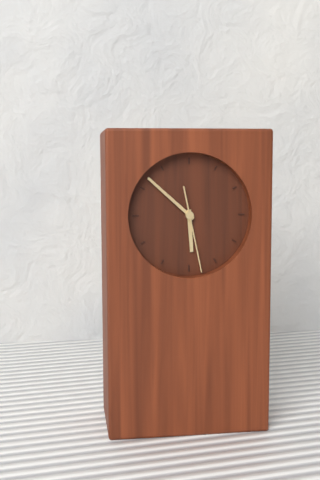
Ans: 5:52:28
